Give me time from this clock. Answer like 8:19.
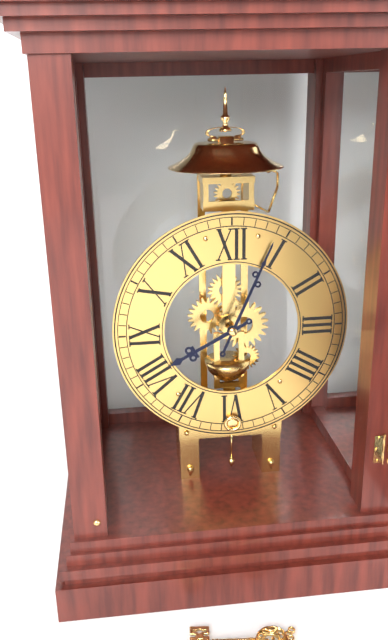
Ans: 8:04
